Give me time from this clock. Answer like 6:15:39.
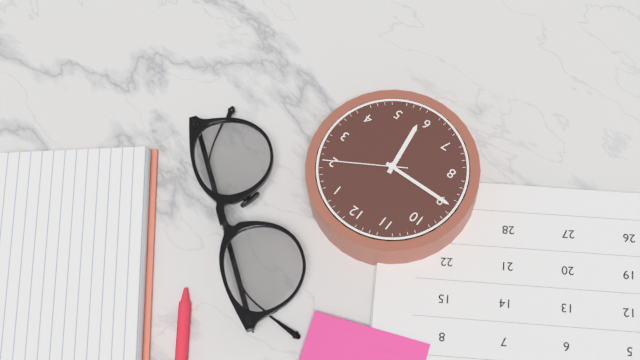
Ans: 5:45:10
